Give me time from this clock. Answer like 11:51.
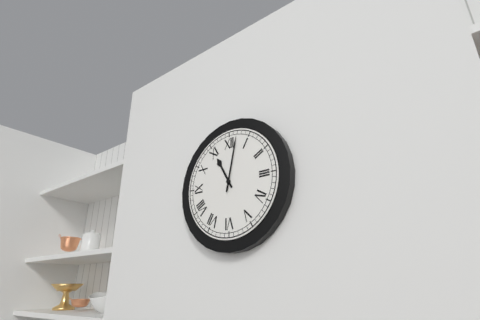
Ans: 11:02
